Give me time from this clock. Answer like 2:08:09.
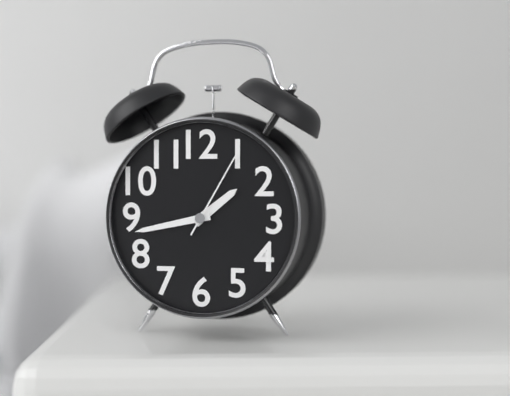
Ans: 1:43:05
